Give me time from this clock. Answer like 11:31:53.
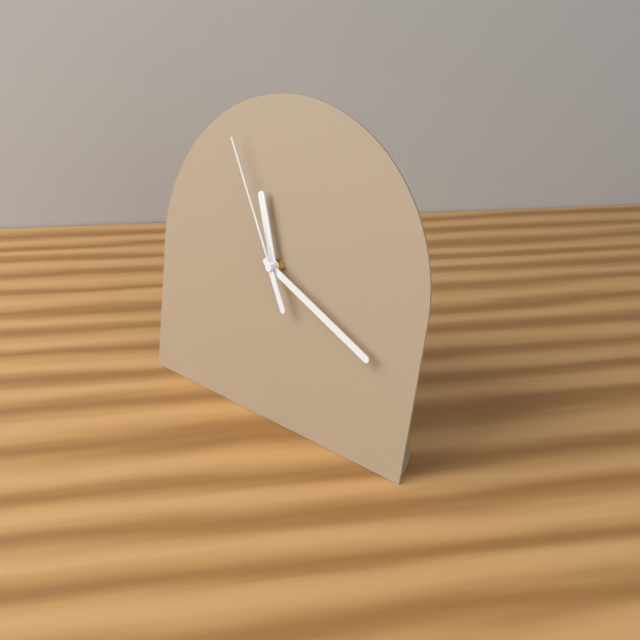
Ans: 11:19:55
